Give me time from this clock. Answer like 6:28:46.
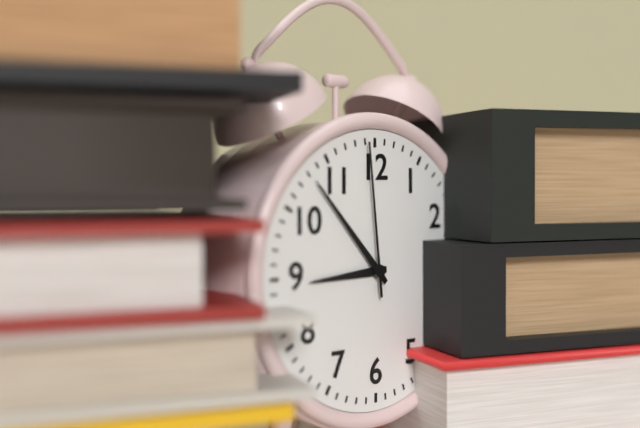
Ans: 8:53:59
